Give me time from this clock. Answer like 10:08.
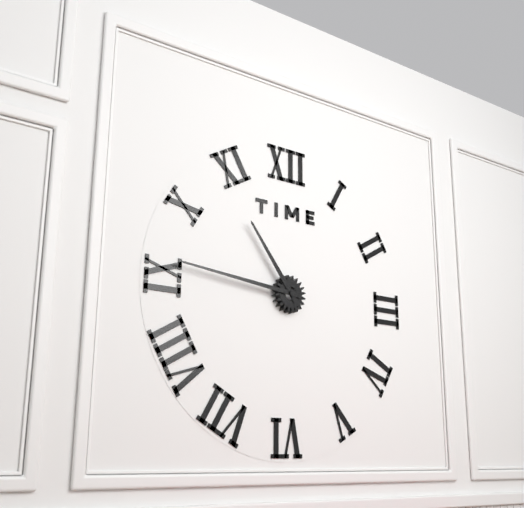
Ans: 10:46
